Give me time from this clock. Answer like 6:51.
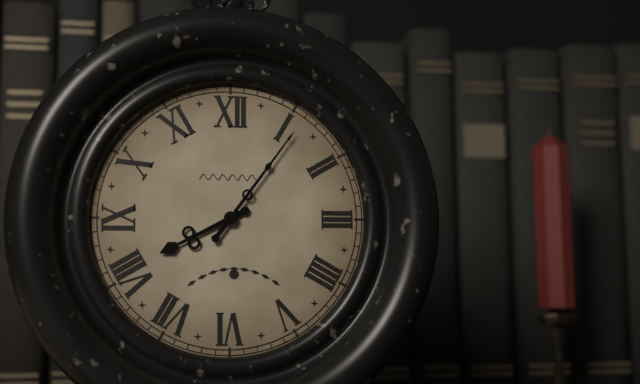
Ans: 8:06
